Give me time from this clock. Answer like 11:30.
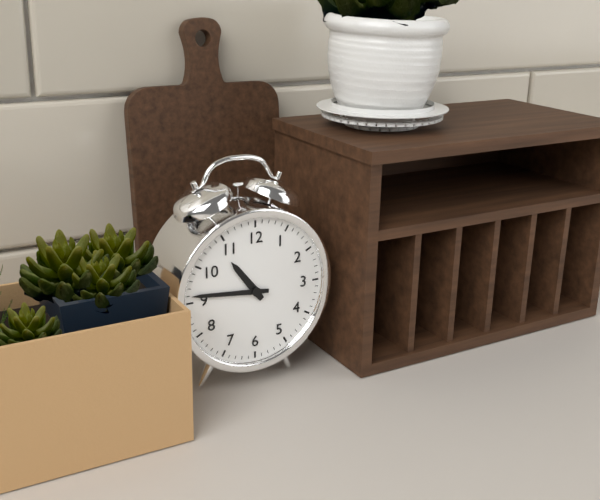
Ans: 10:46
